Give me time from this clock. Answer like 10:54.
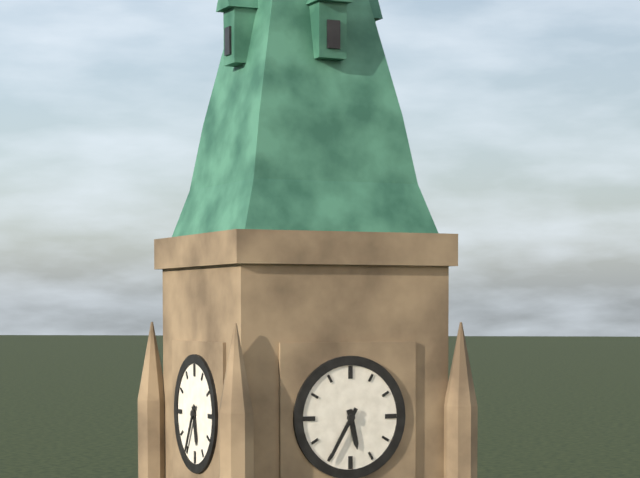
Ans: 5:35
